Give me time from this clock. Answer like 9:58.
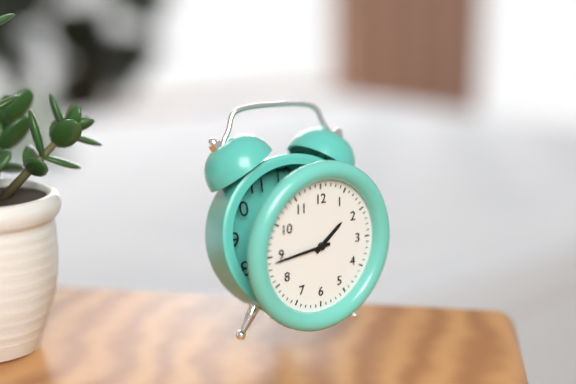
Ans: 1:44
